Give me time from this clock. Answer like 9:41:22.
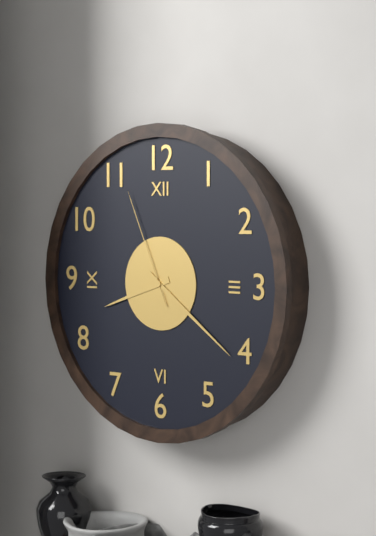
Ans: 8:21:56
